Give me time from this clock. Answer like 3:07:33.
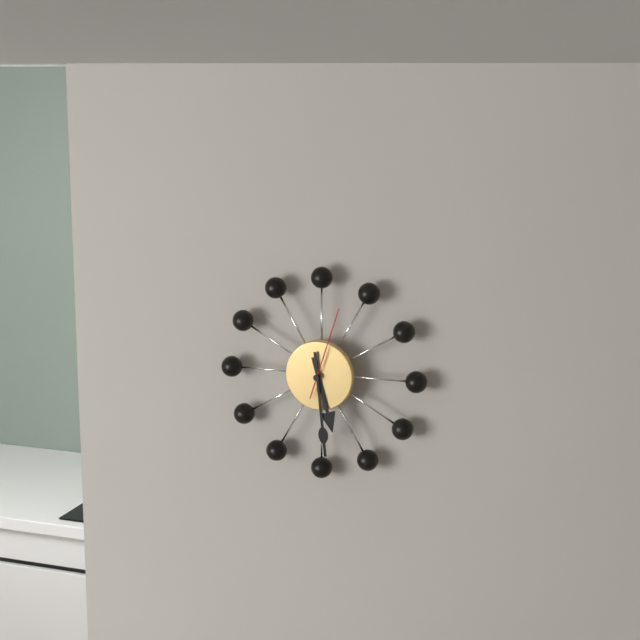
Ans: 5:29:03
